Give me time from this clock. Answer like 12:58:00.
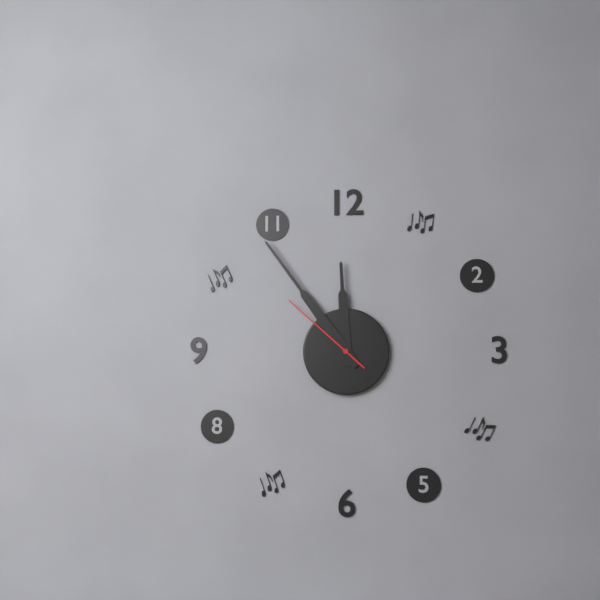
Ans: 11:54:52
